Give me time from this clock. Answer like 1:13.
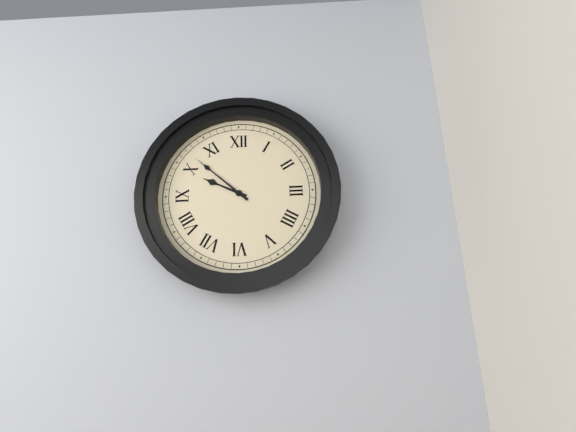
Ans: 9:52
